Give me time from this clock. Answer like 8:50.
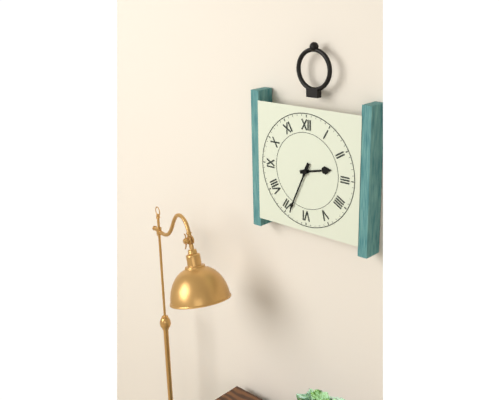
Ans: 2:34
